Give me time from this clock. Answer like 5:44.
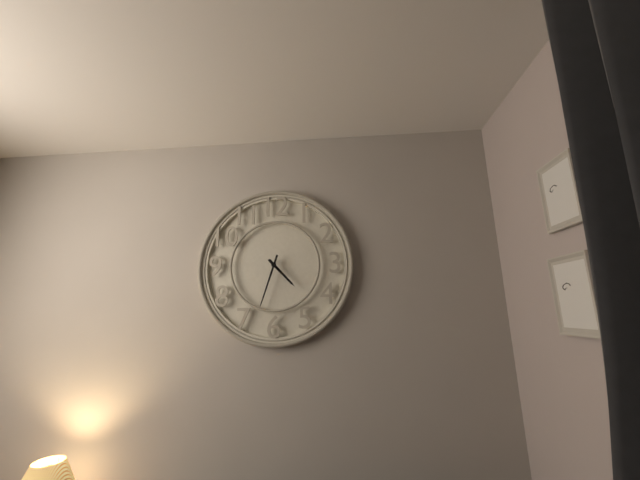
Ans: 4:33
